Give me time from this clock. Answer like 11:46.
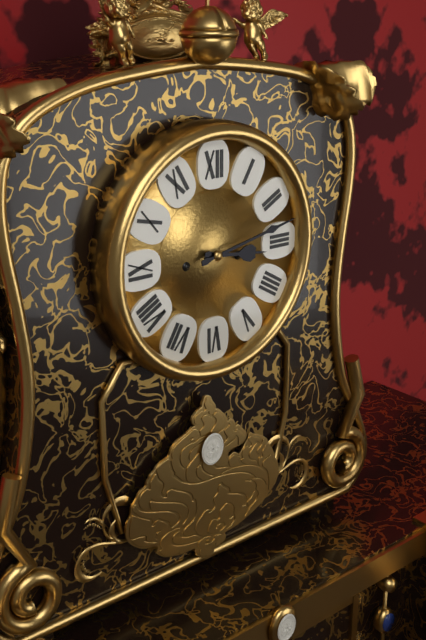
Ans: 3:13
